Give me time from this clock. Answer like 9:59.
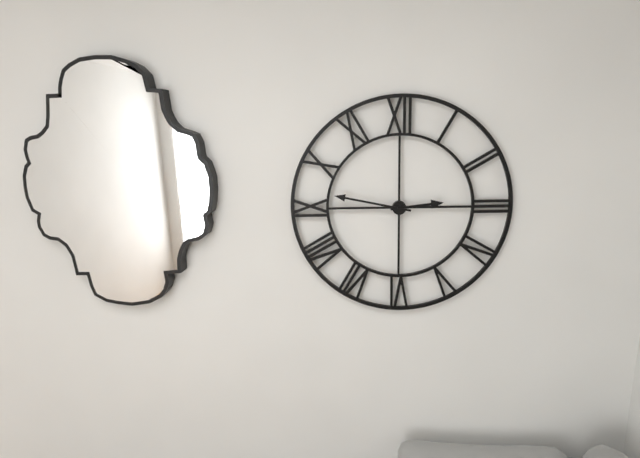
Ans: 2:47
